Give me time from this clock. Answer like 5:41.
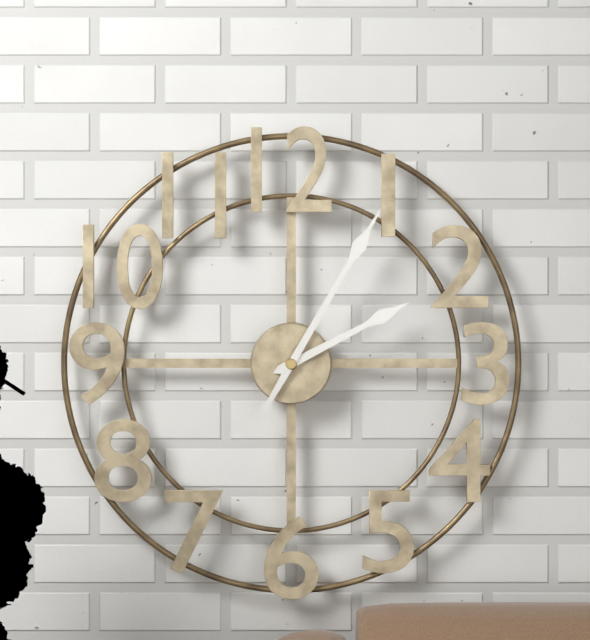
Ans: 2:05
